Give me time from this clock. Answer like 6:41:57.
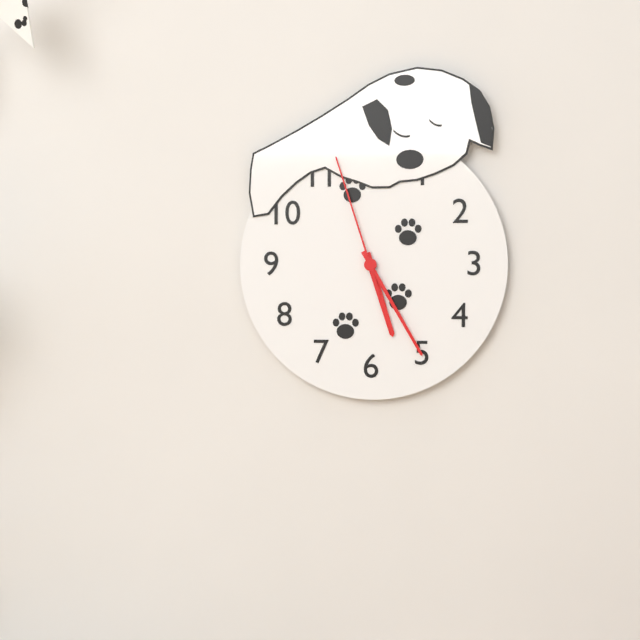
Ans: 5:25:57
